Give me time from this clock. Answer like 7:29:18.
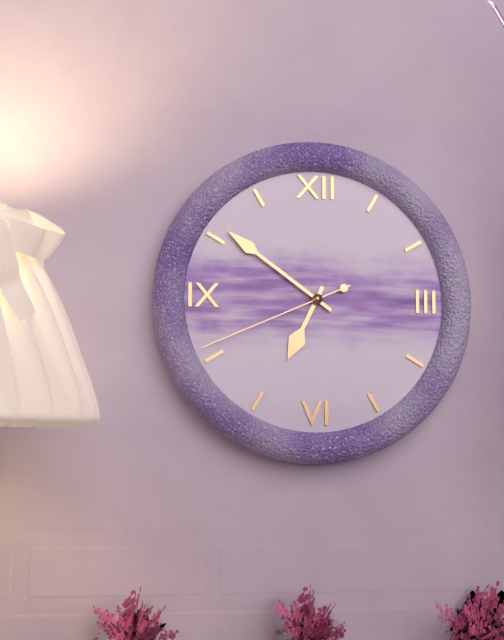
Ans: 6:51:41
